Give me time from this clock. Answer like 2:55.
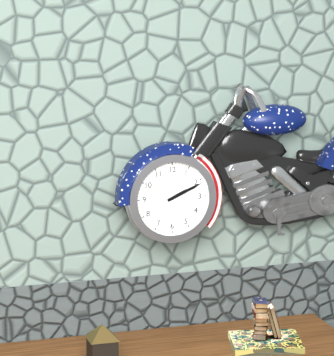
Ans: 2:11
